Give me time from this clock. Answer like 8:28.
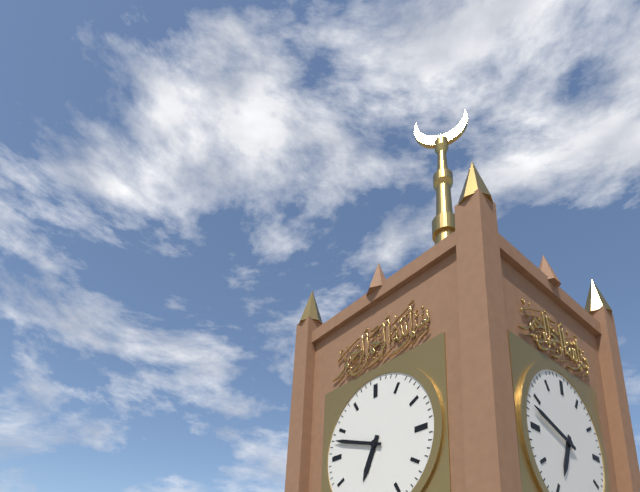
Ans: 6:48
